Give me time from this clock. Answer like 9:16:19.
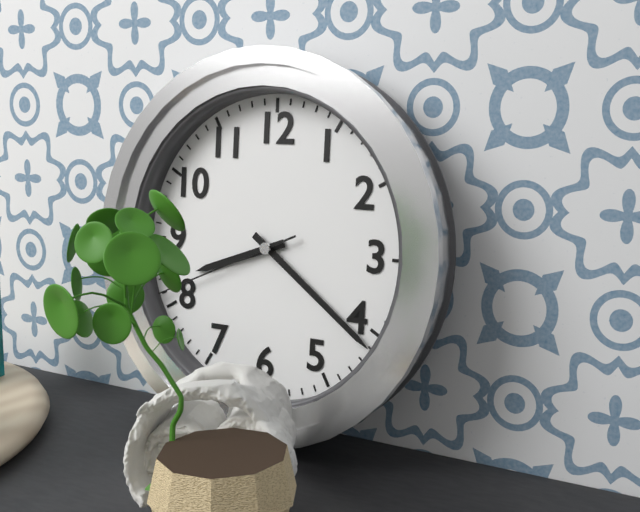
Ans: 8:21:41
